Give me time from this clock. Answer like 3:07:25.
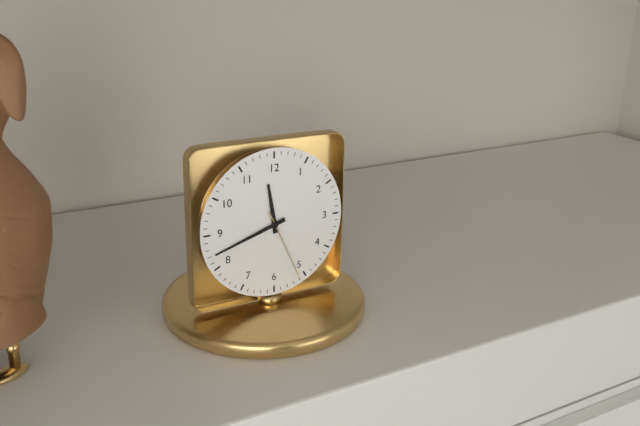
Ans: 11:42:26
